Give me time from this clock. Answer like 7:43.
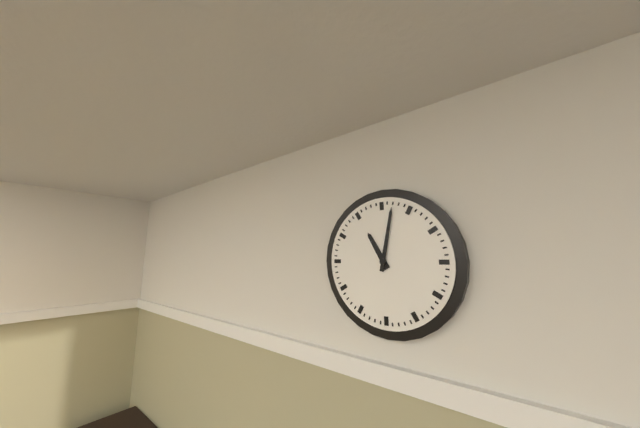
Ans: 11:02
